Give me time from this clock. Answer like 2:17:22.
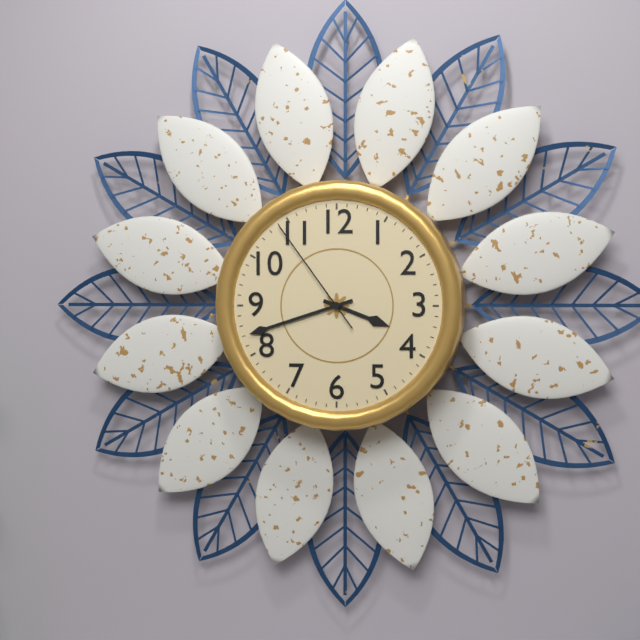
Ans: 3:42:54
